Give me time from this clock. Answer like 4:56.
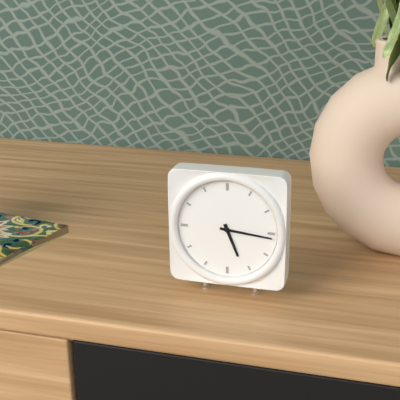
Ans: 5:16
